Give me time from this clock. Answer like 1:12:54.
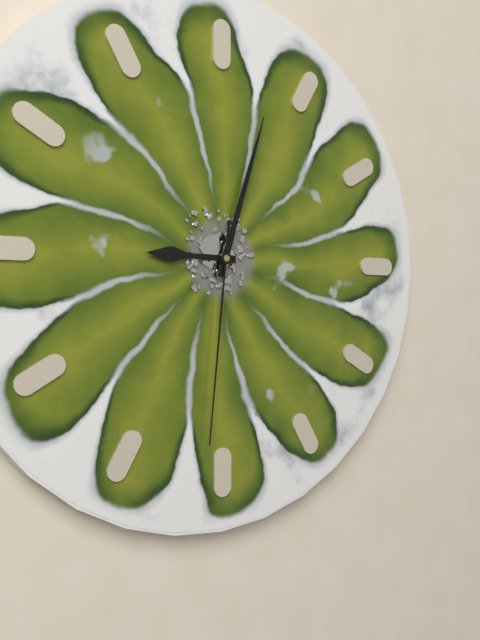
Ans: 9:03:31
